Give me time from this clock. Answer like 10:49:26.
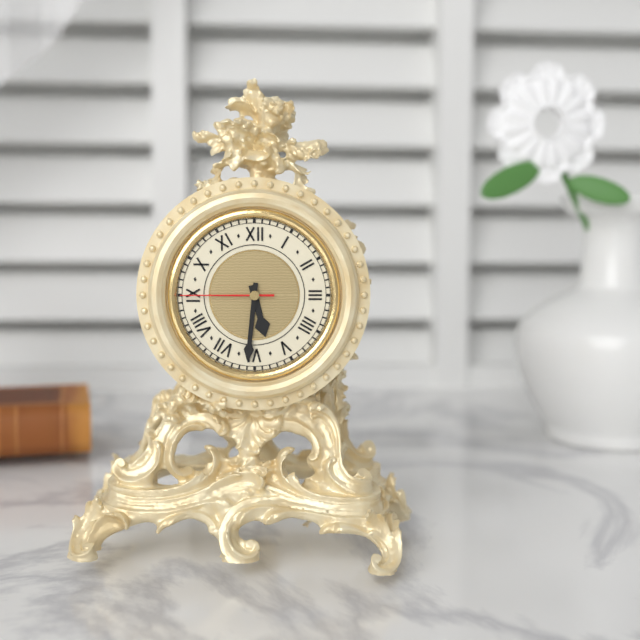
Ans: 5:31:45
